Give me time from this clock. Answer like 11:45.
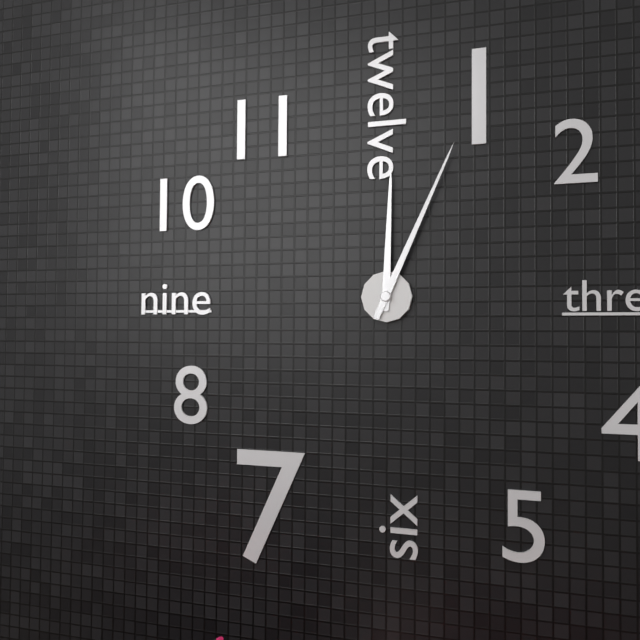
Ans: 12:04
